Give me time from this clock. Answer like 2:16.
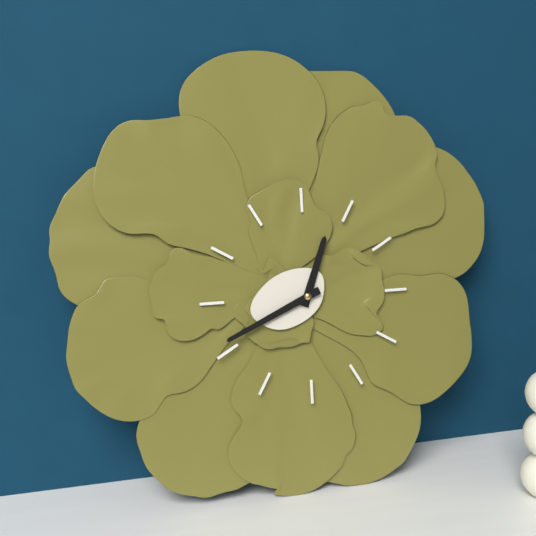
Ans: 12:41
